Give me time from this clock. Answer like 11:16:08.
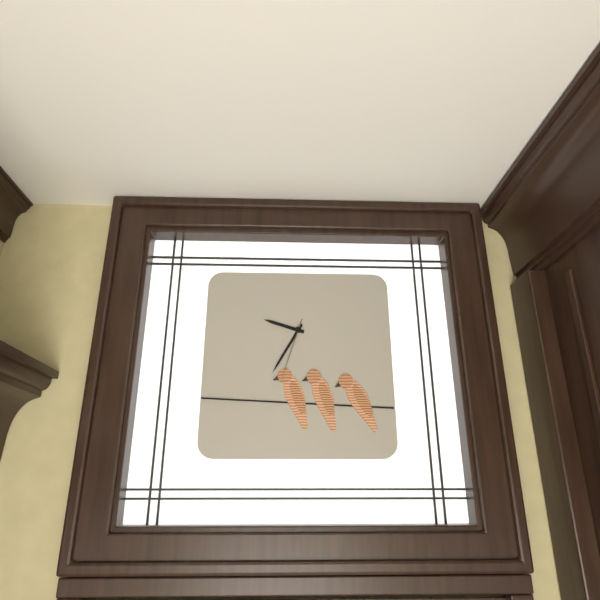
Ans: 9:35:33
